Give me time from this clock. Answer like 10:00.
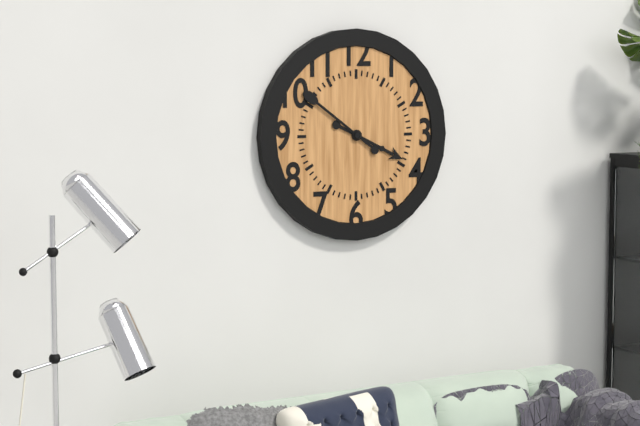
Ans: 3:51
